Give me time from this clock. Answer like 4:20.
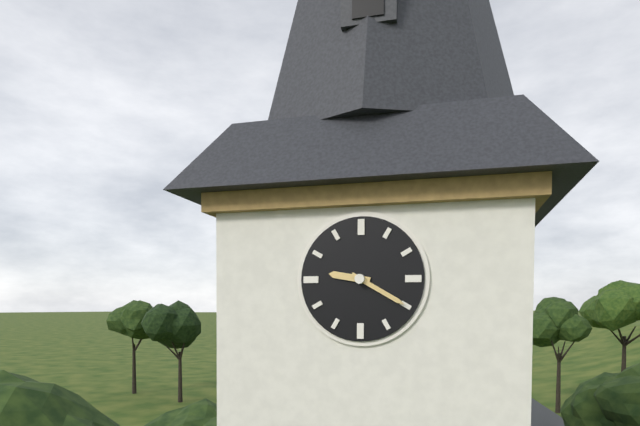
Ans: 9:20
